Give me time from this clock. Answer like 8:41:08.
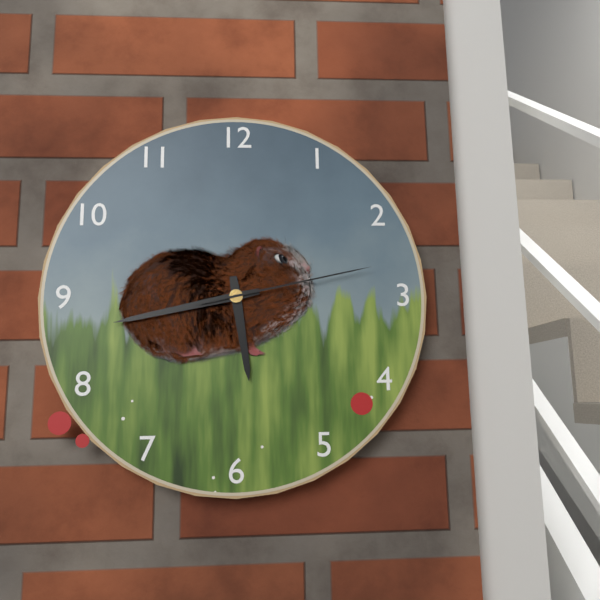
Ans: 5:43:13
